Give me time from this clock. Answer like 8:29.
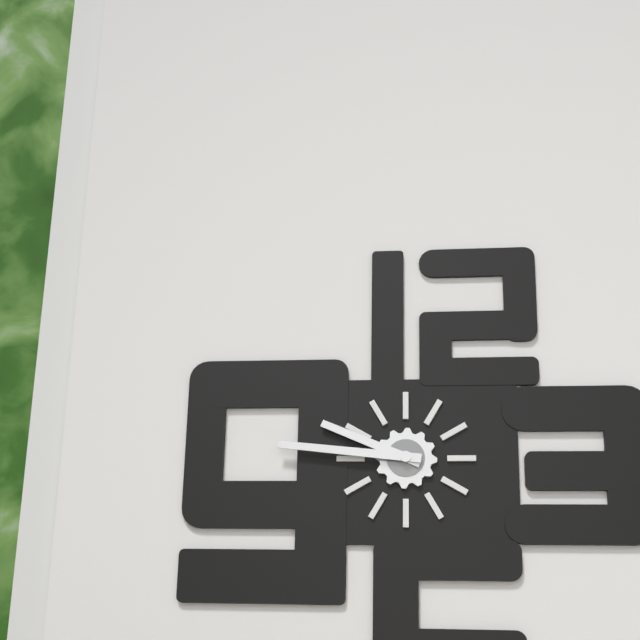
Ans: 9:46
